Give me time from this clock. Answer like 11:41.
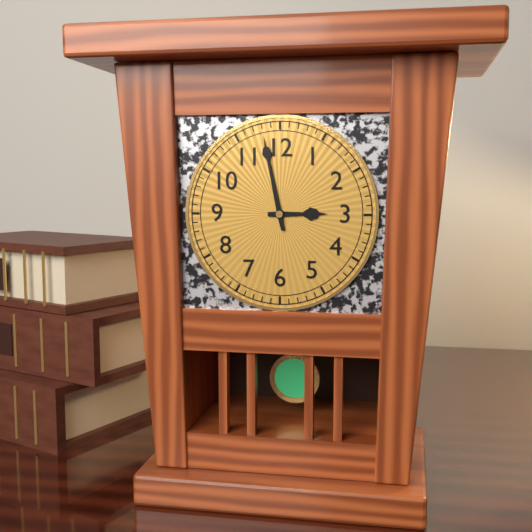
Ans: 2:58
